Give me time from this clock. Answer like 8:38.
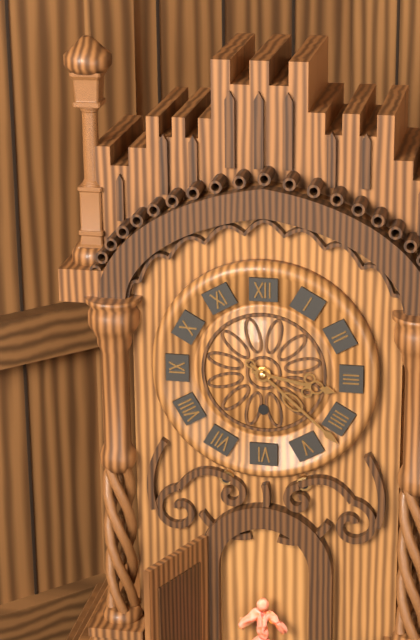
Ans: 3:22
